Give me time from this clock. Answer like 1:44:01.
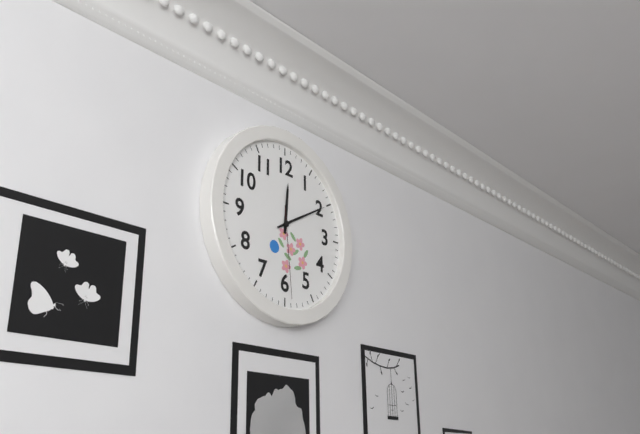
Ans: 12:10:29
